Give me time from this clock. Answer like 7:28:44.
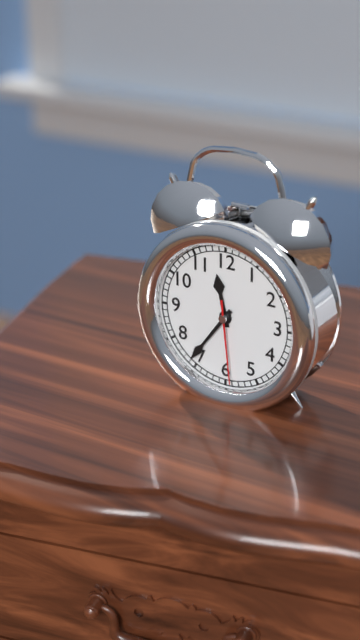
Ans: 11:36:29
